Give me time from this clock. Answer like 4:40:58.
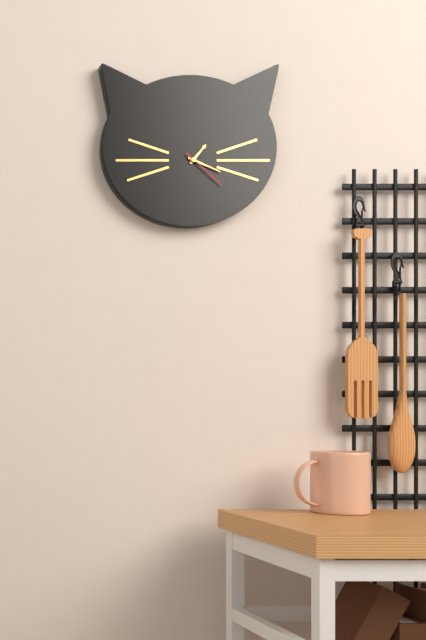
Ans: 1:19:22
